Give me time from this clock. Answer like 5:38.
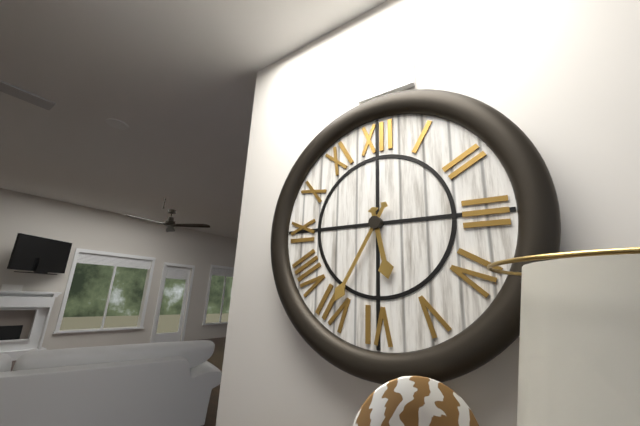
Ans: 5:35
